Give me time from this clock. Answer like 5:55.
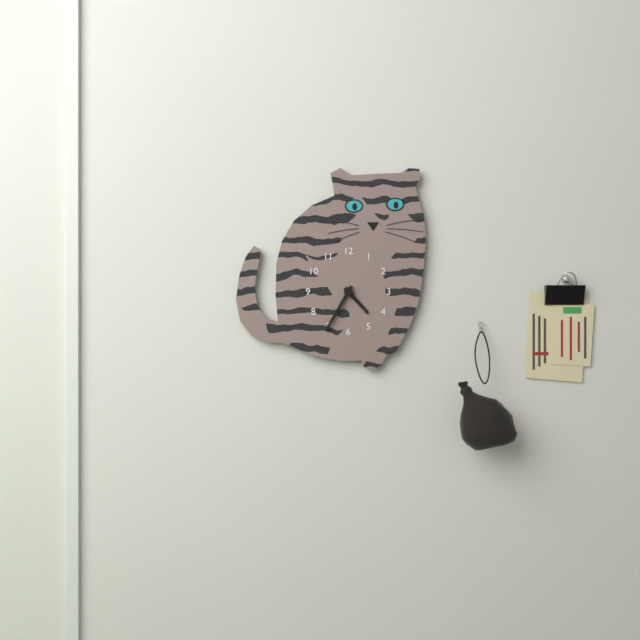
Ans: 4:35
